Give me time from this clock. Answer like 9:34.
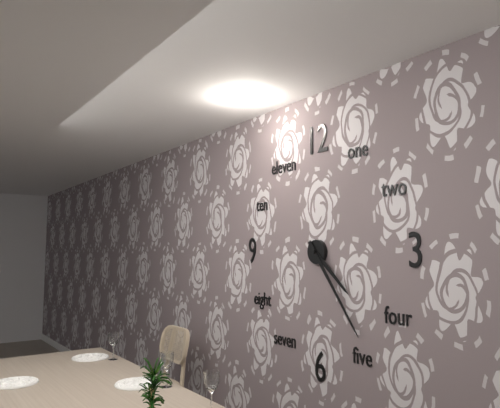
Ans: 4:24
